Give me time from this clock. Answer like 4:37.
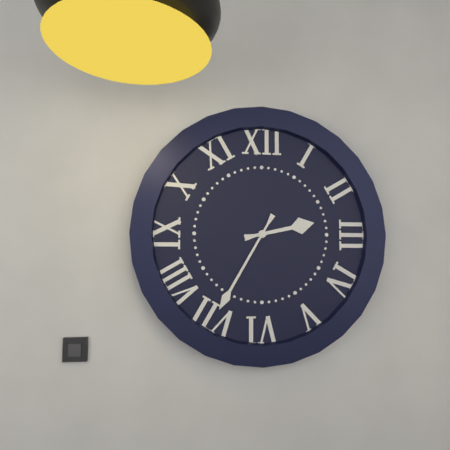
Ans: 2:35
